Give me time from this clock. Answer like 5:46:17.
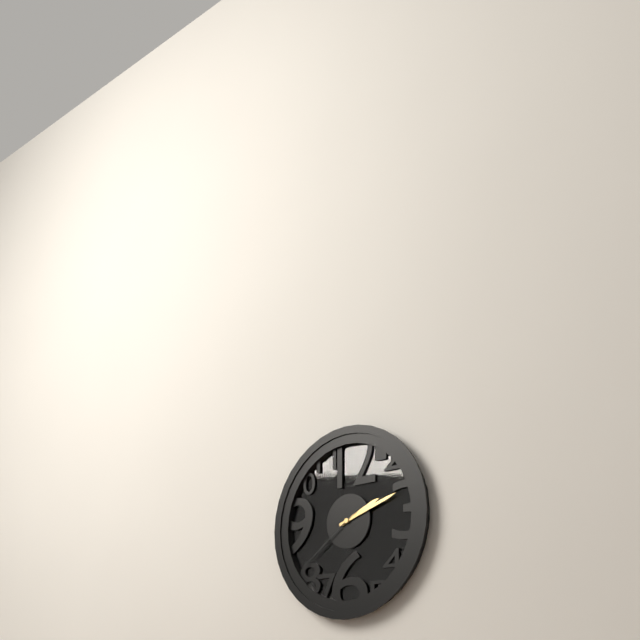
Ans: 2:12:39
